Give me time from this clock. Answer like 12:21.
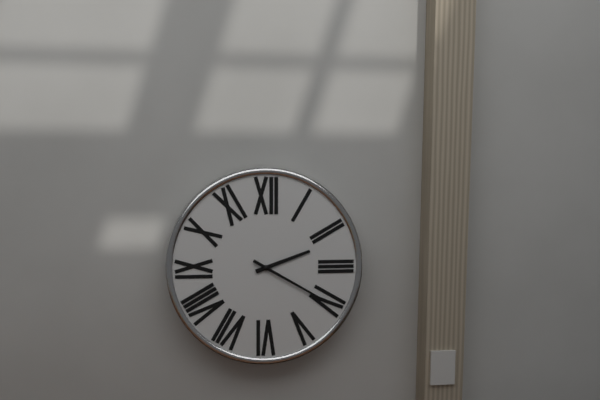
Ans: 2:20
